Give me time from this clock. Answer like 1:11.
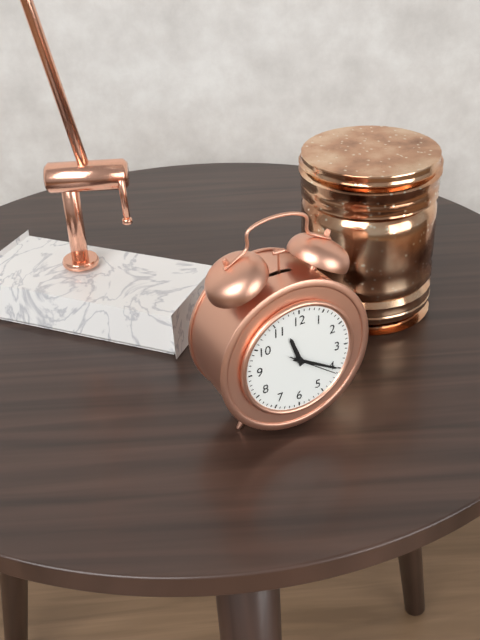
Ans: 11:20
